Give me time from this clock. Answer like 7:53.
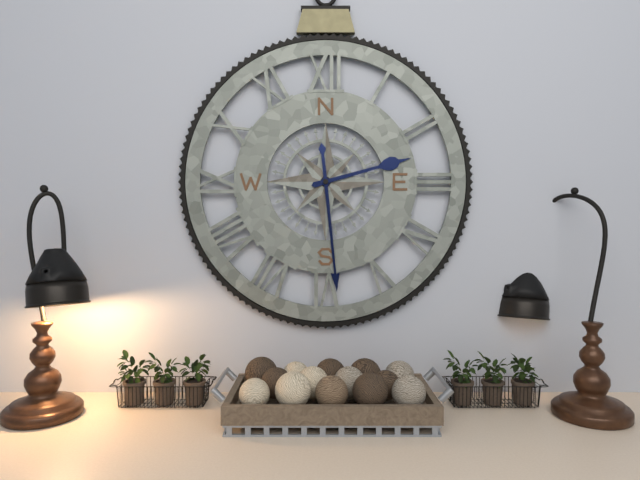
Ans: 2:29
